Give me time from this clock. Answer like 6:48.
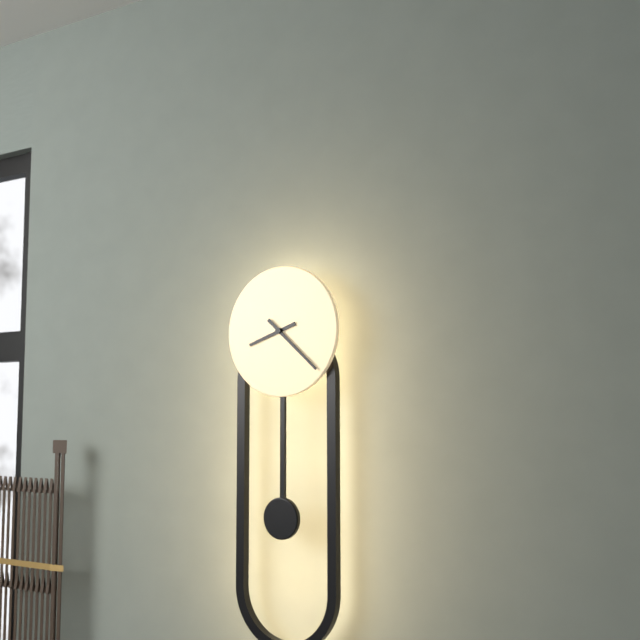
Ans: 8:22
